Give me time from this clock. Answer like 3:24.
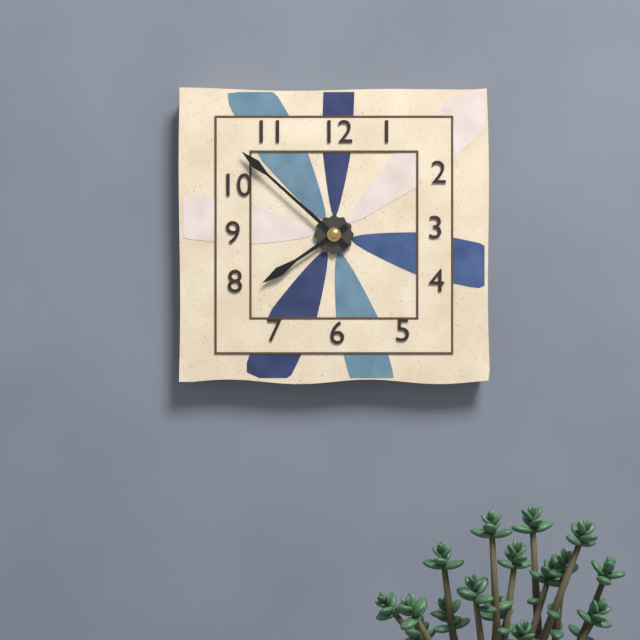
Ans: 7:52
